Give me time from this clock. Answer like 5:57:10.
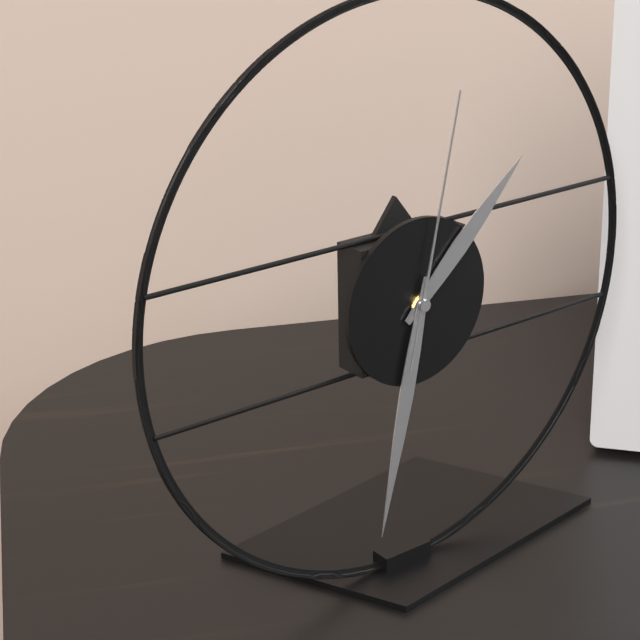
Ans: 1:32:02
